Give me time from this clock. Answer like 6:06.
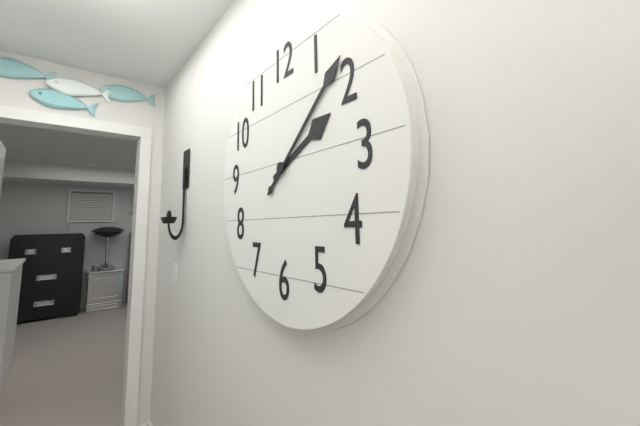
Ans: 2:08
